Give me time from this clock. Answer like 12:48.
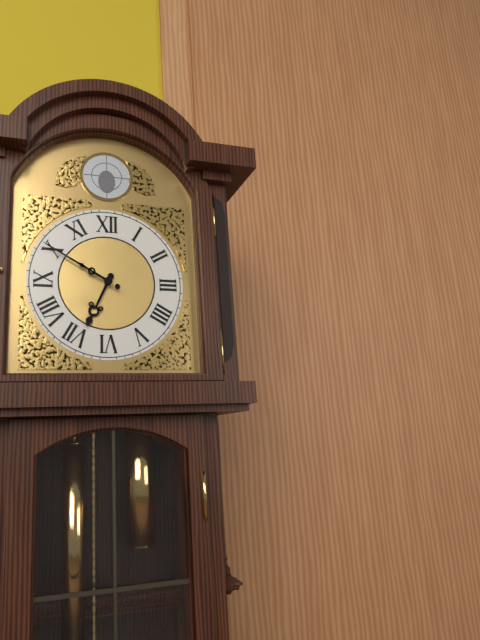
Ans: 6:50
